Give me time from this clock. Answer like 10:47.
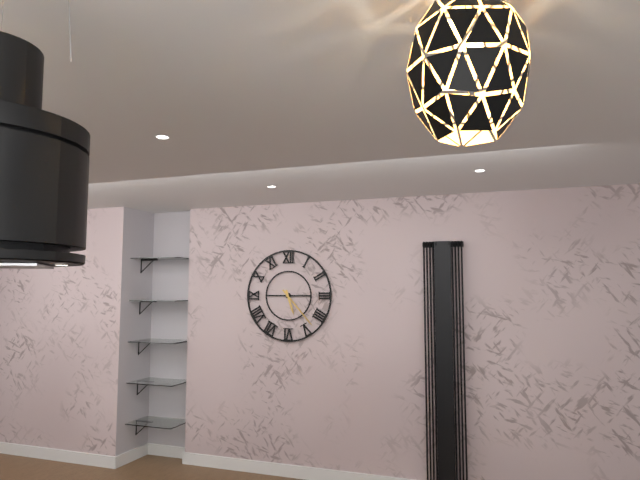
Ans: 5:23
